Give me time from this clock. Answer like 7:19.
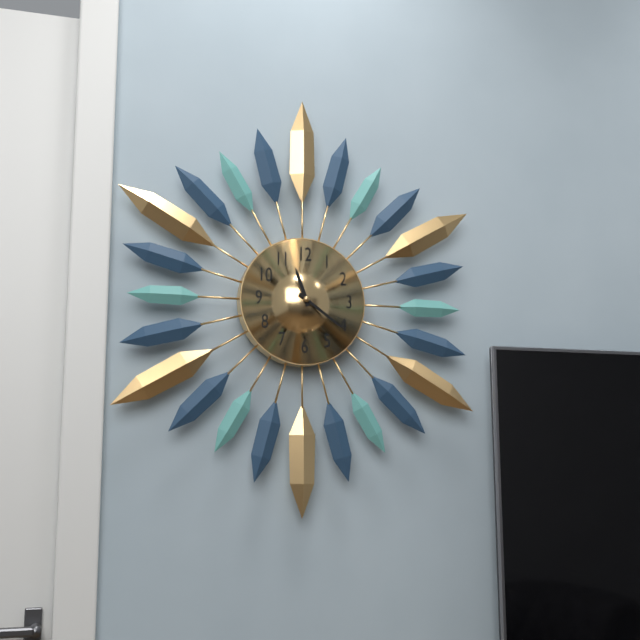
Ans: 11:21
